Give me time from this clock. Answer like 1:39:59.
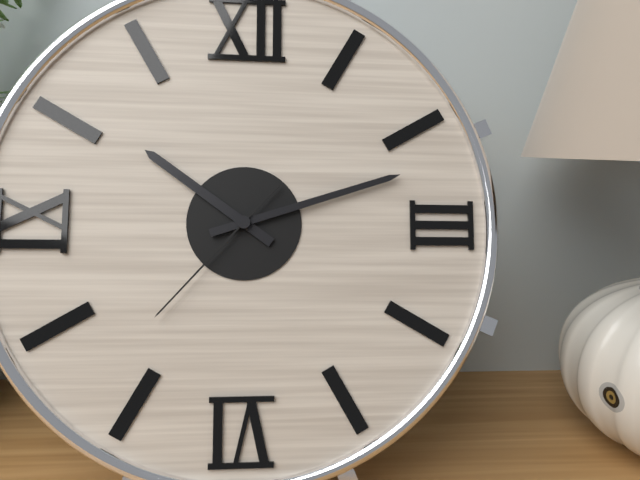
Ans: 10:12:37
